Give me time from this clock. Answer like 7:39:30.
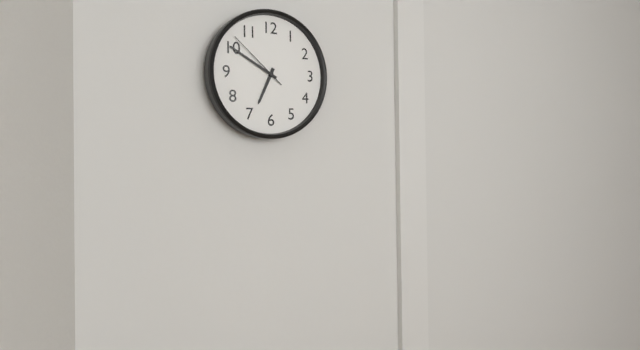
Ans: 6:50:52
